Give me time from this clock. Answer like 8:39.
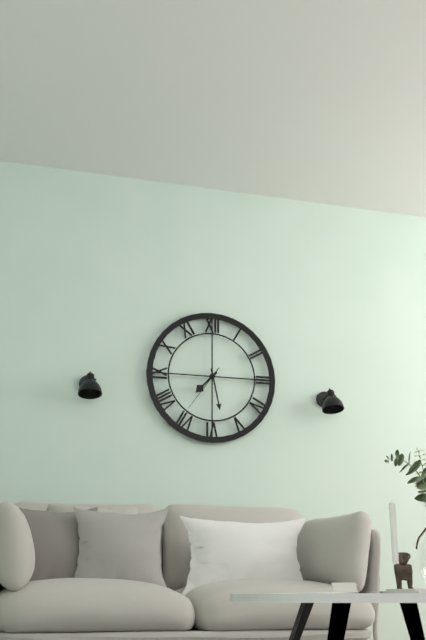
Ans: 7:28
